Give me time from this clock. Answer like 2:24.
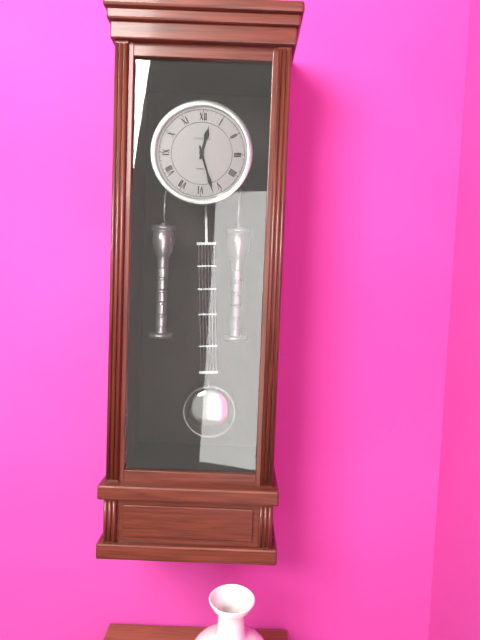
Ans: 12:27
